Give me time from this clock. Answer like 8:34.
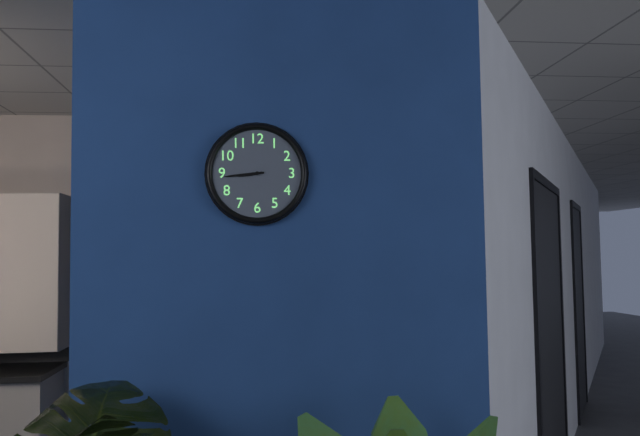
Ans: 8:44
